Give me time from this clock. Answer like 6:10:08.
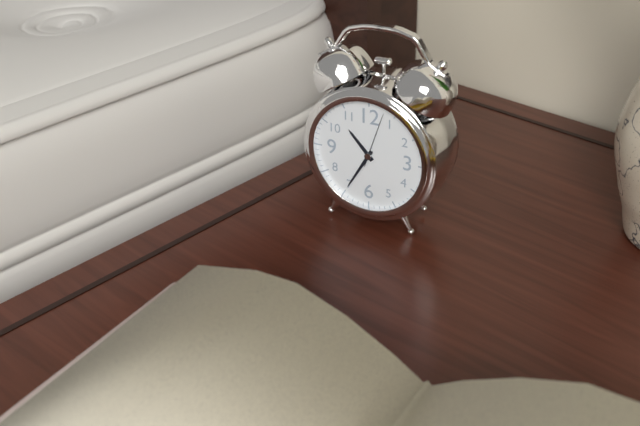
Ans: 10:35:03
